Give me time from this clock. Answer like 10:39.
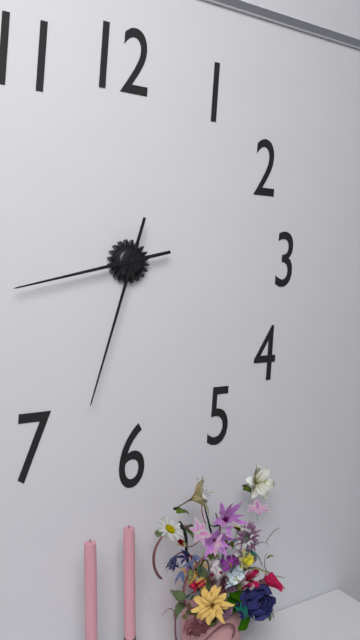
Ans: 8:33
